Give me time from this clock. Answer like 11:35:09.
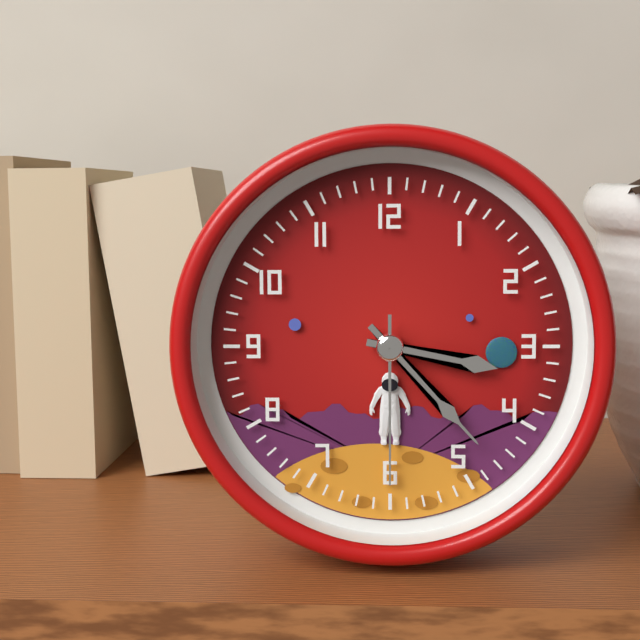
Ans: 3:23:30
